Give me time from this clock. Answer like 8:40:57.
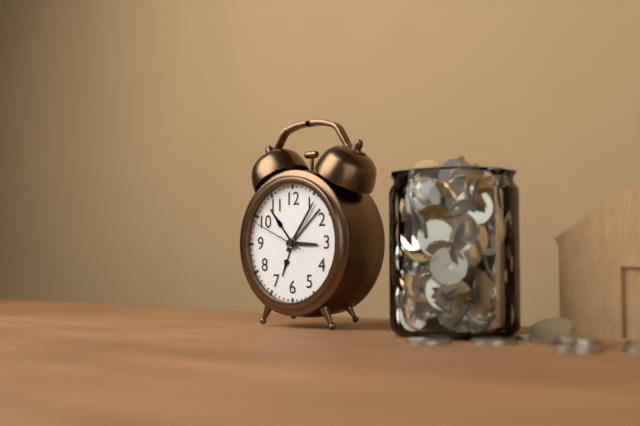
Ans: 3:06:49
